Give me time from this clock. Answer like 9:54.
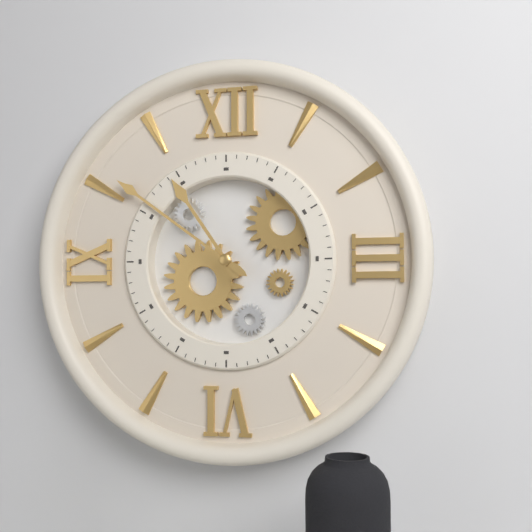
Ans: 10:51
